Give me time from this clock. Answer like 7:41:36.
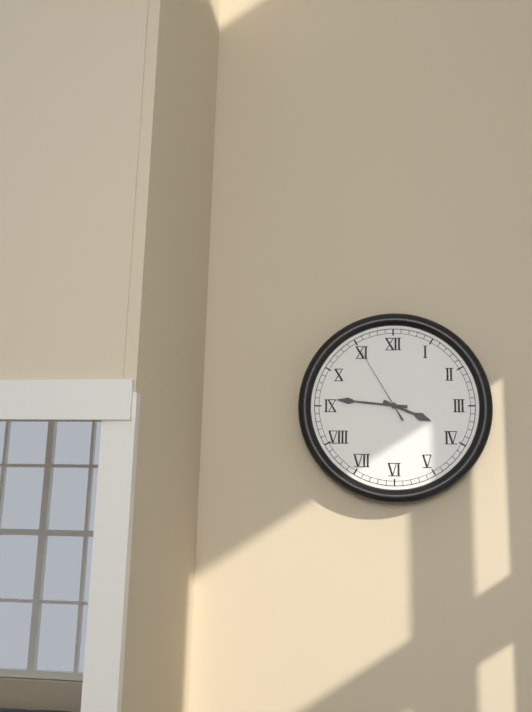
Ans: 3:46:55
